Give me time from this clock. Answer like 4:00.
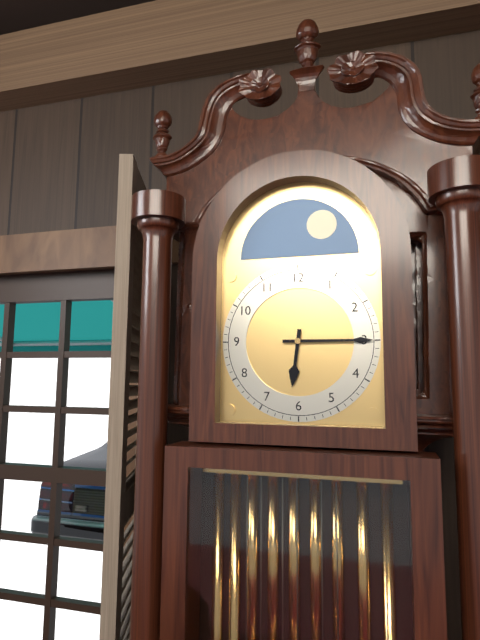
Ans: 6:15
